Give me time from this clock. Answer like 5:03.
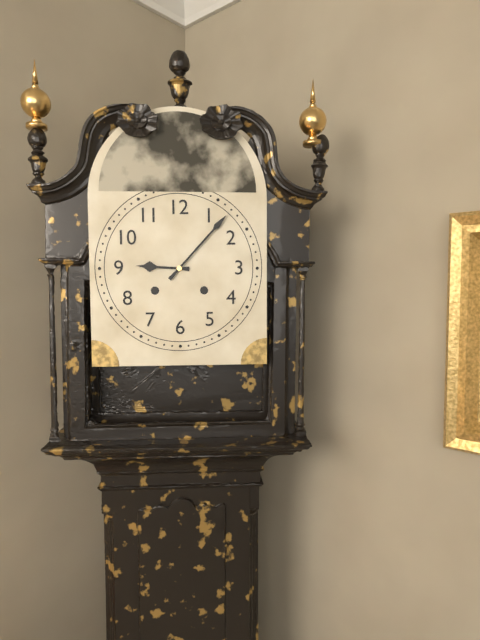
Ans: 9:07
